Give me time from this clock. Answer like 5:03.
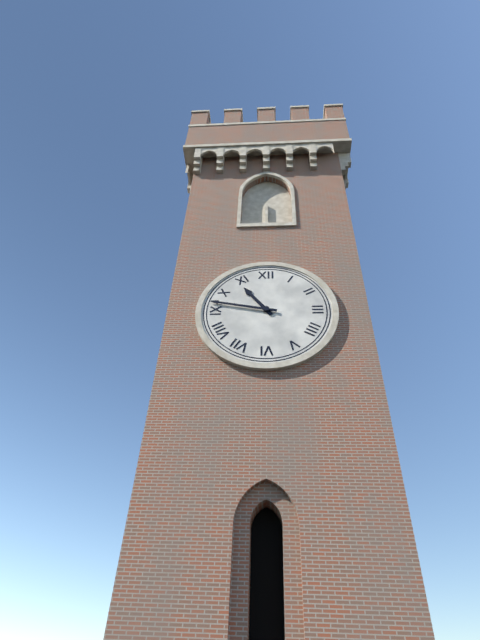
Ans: 10:47
